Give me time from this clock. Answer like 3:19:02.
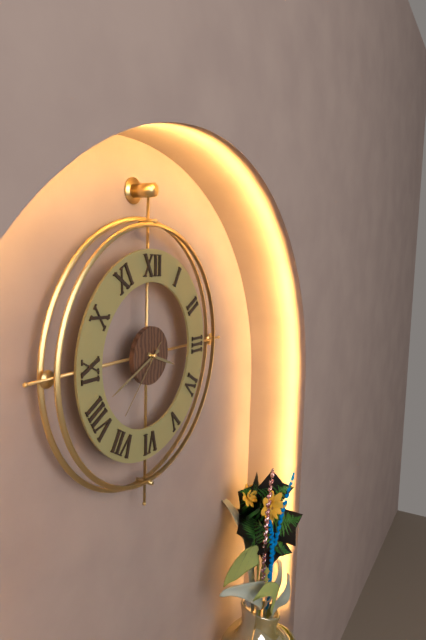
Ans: 3:41:37
